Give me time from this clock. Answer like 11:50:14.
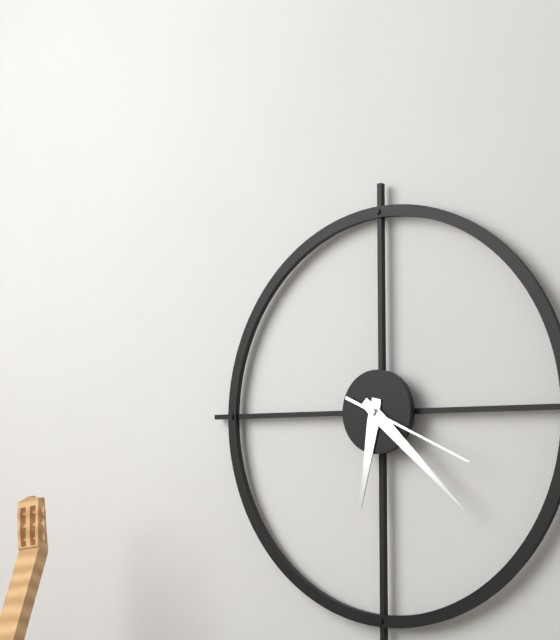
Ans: 6:22:19
